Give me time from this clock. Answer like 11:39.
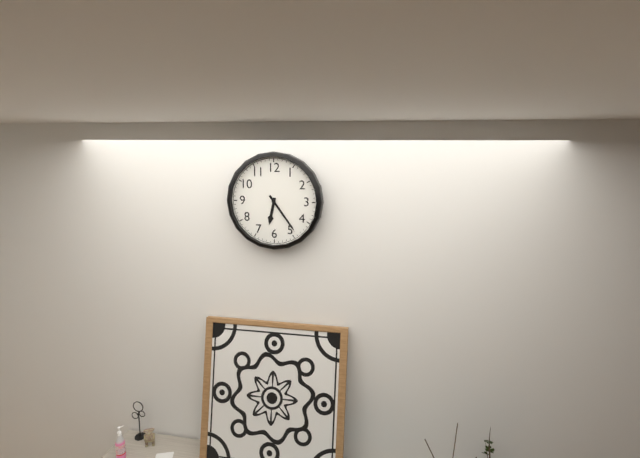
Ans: 6:24
